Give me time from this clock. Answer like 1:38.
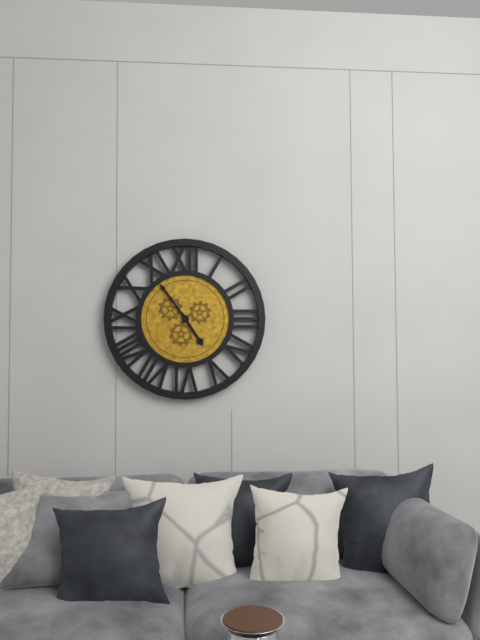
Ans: 4:54
